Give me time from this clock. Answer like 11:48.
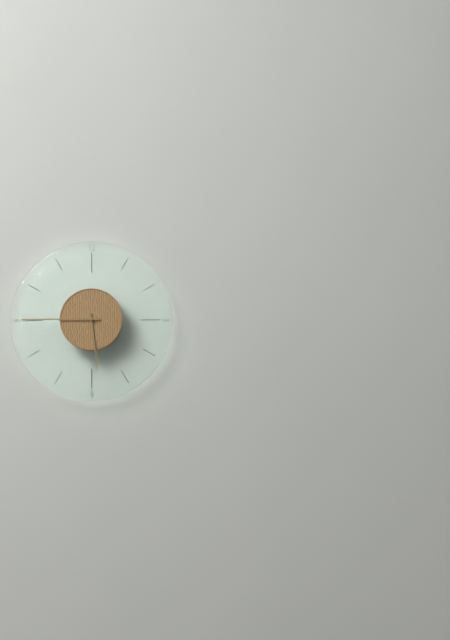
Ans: 5:45
